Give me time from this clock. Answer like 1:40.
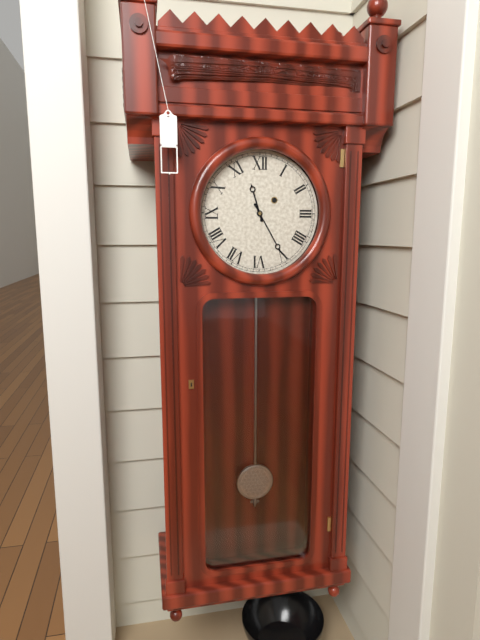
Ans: 11:25
